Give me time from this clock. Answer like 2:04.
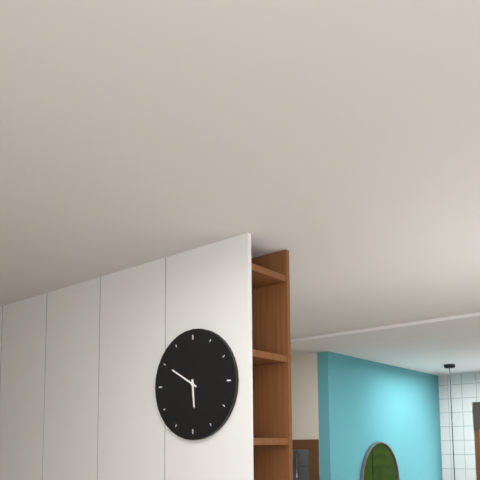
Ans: 5:50
